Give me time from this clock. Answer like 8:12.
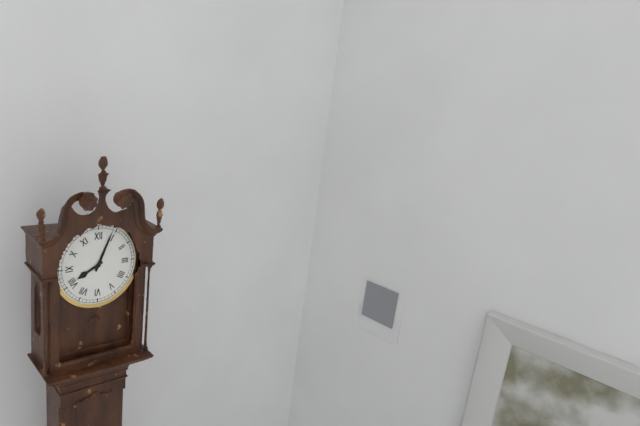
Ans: 8:04
